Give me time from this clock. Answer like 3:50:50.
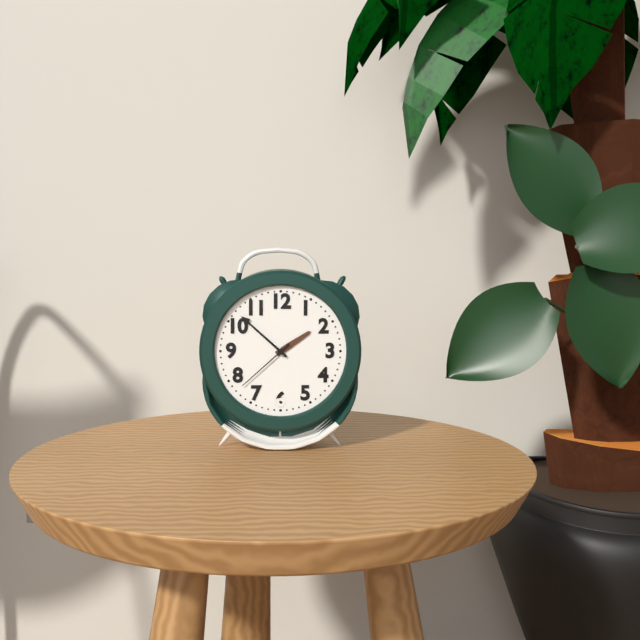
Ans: 1:52:38
